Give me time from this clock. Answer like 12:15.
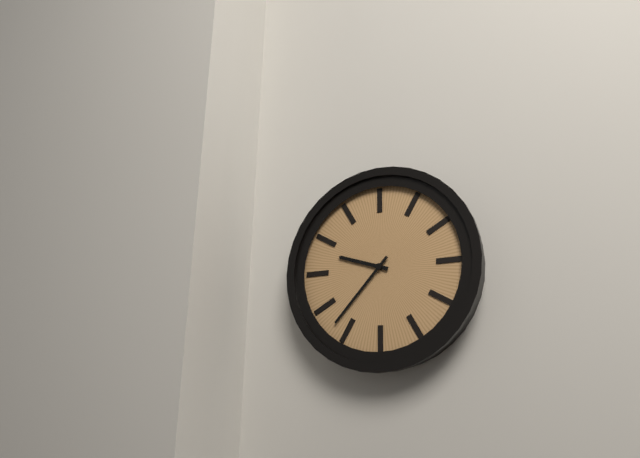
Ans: 9:37
